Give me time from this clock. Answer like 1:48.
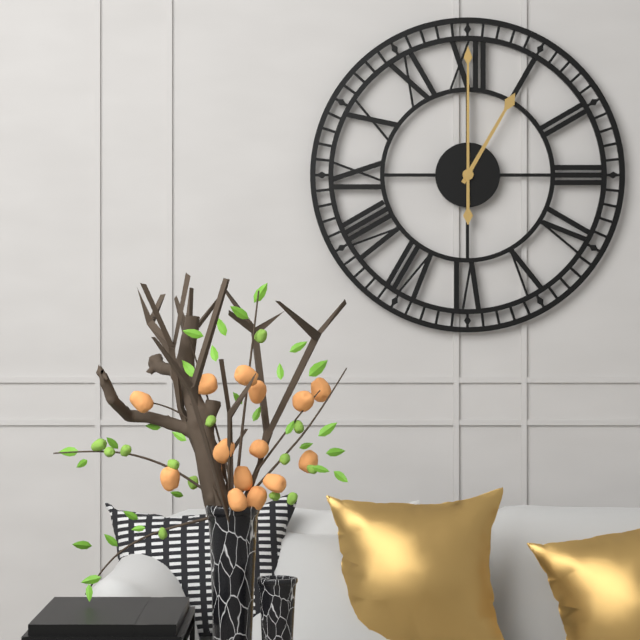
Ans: 1:00
